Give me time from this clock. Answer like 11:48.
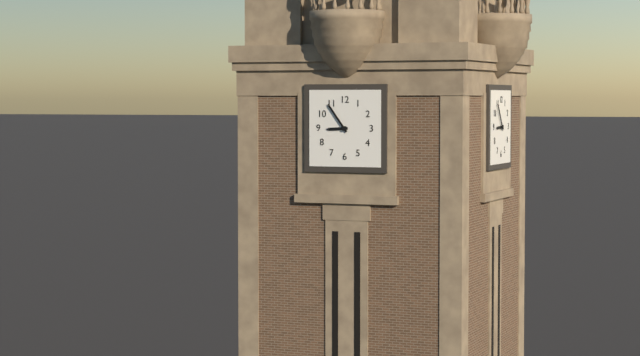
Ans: 8:54
